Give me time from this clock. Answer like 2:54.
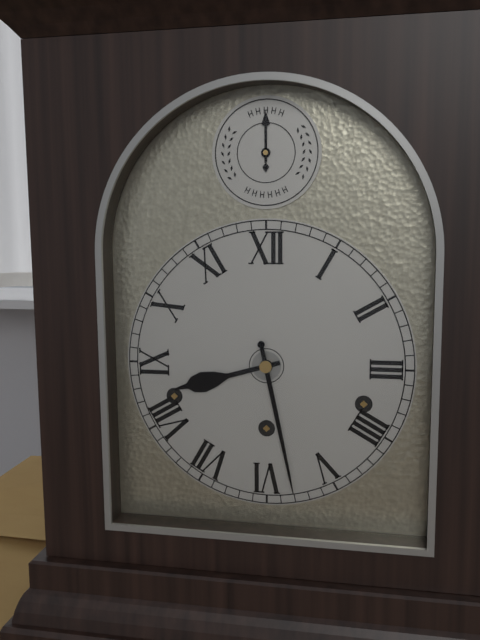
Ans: 8:28
